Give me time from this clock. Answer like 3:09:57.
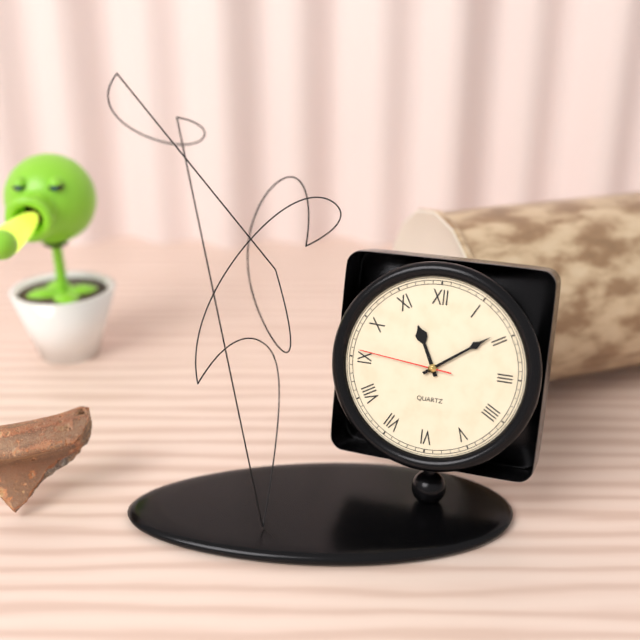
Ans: 11:09:46
